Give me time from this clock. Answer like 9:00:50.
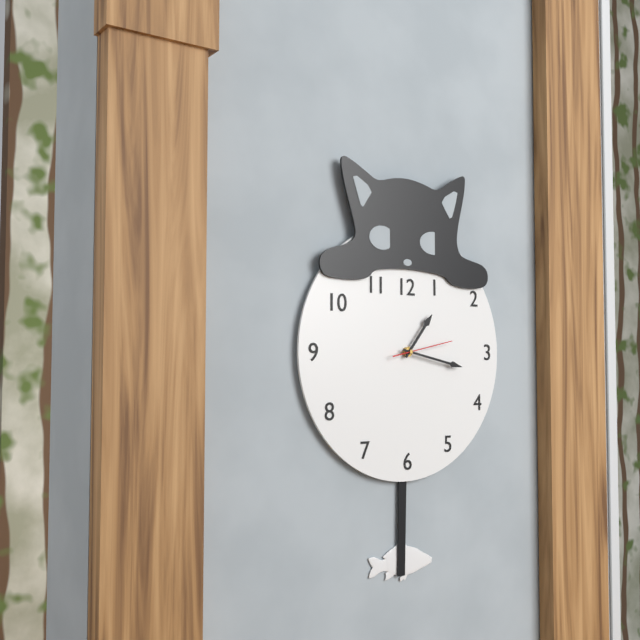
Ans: 1:17:13
